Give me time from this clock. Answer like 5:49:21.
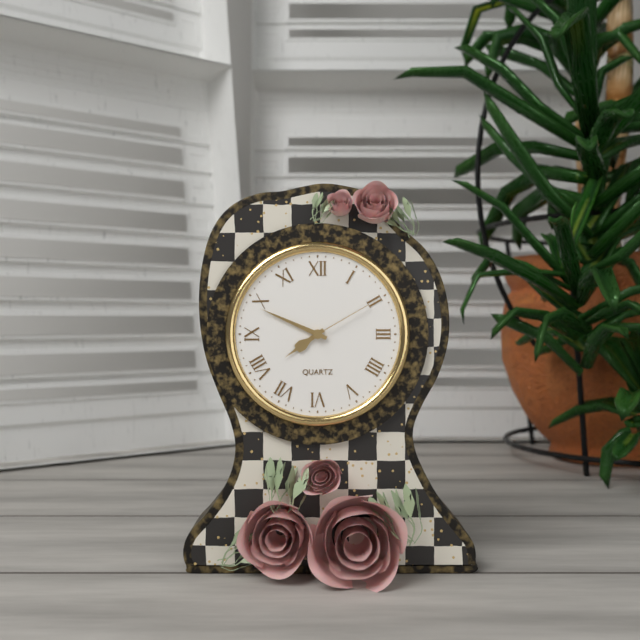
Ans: 7:49:10
